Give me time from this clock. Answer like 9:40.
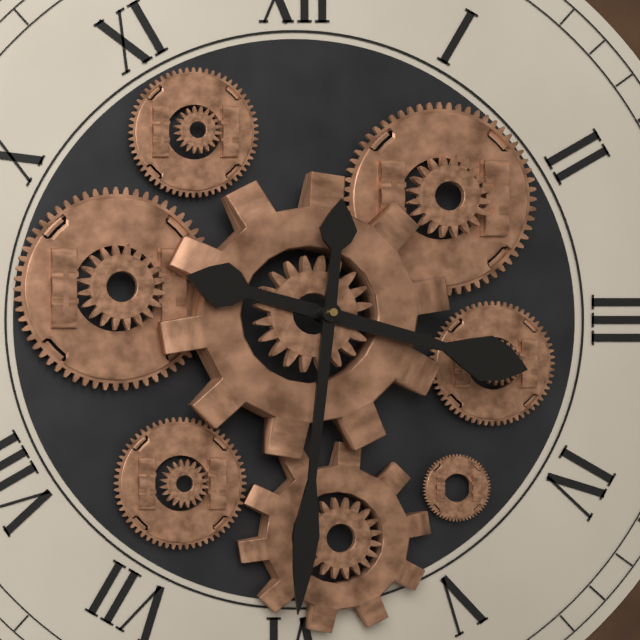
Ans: 3:31
